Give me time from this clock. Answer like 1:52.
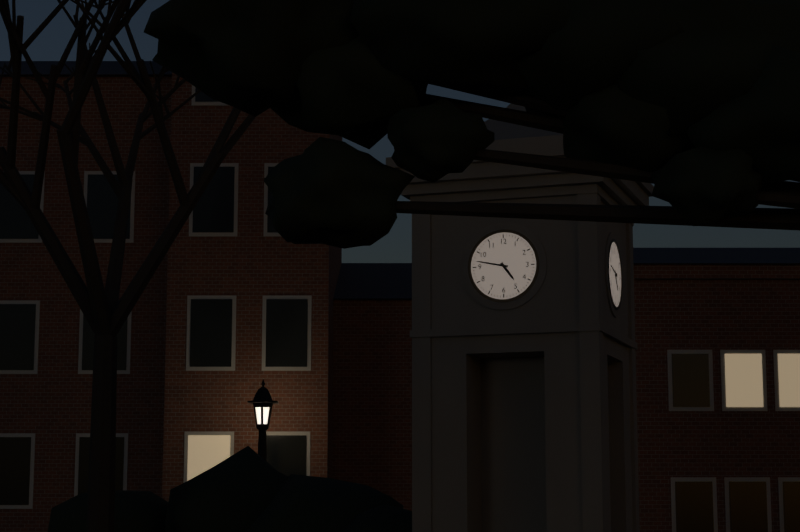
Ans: 4:47
